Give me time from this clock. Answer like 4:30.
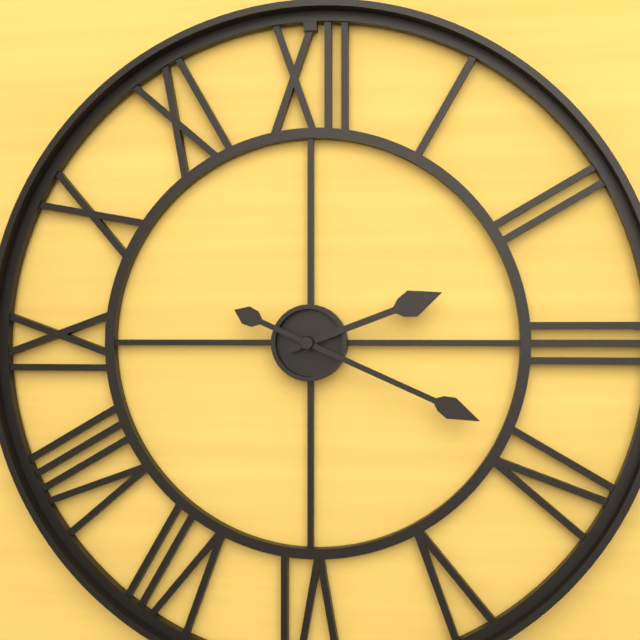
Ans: 2:19
